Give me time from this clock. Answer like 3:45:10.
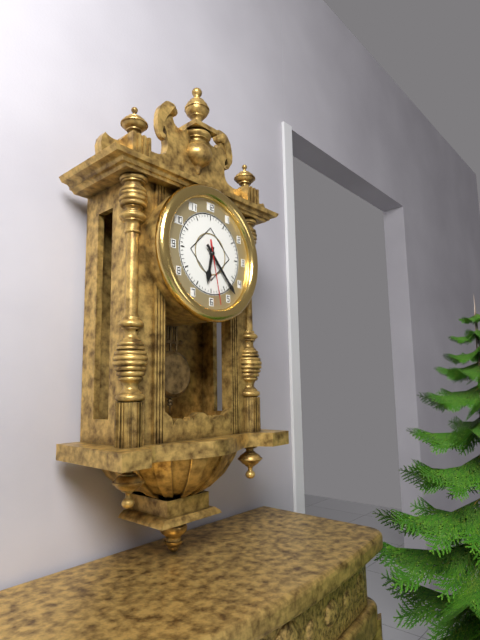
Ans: 6:23:28
